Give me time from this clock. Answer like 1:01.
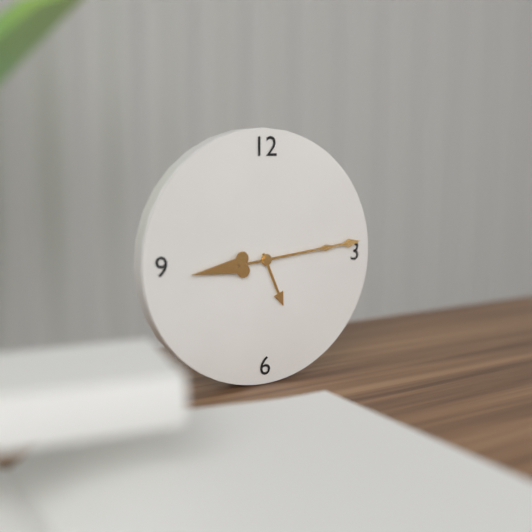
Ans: 5:14
